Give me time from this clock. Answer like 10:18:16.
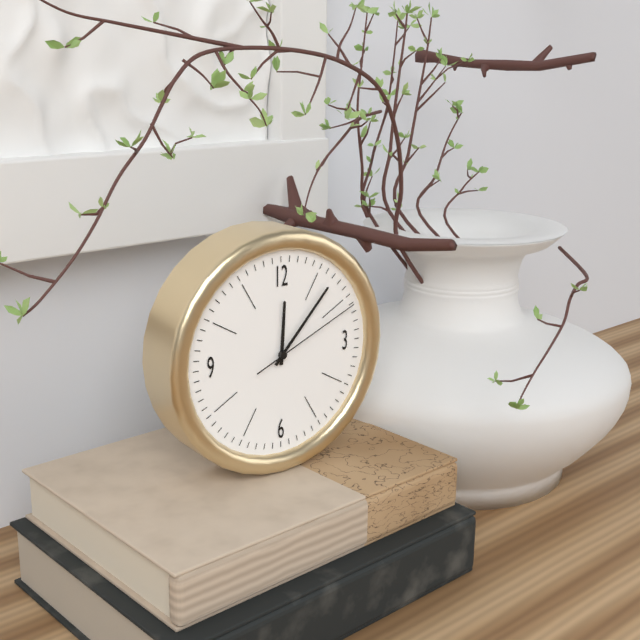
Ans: 12:07:11
